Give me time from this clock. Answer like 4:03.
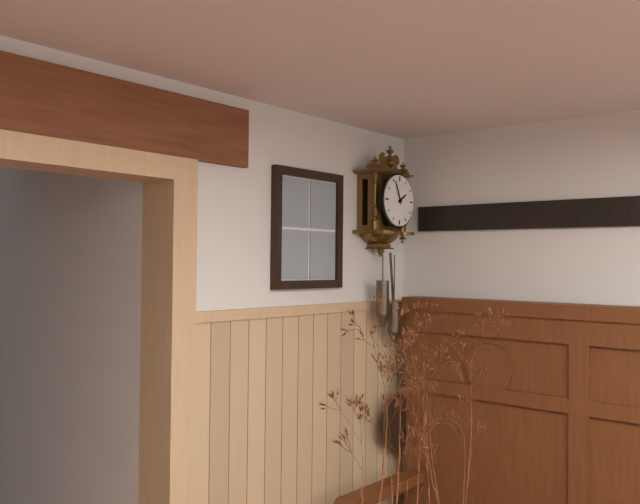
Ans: 1:56
